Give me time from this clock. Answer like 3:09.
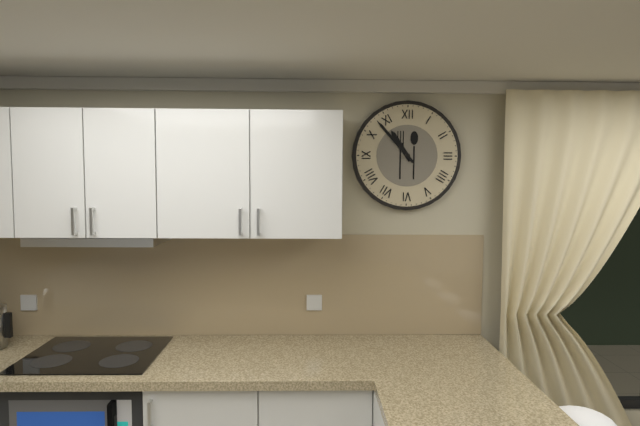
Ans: 10:53
